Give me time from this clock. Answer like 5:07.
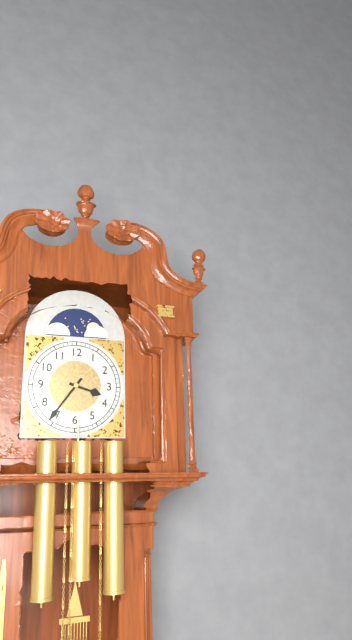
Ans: 3:36
